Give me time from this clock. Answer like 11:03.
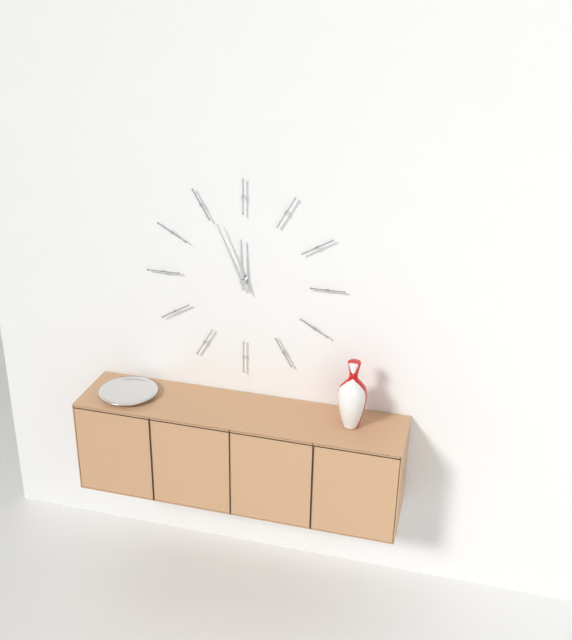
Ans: 11:56
